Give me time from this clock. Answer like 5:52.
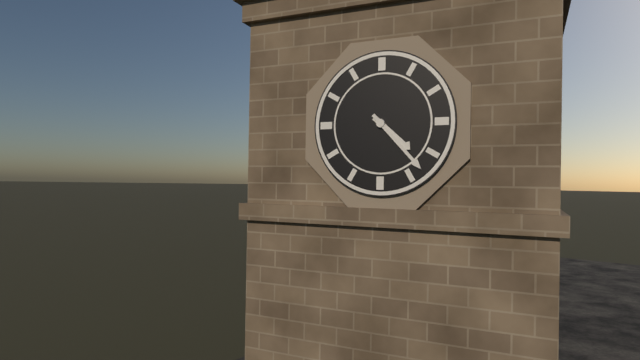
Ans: 4:23
